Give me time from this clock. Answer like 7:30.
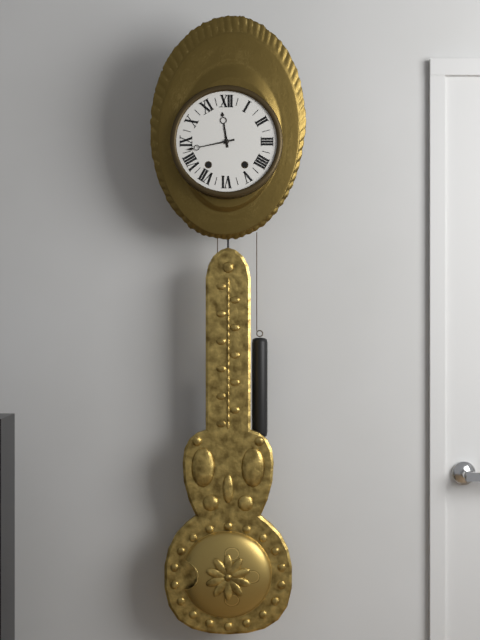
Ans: 11:43
